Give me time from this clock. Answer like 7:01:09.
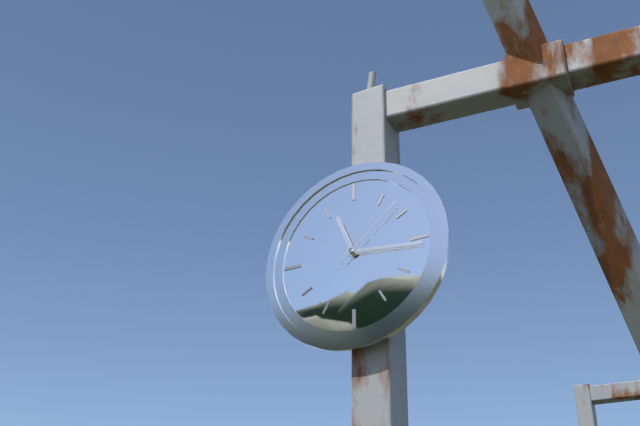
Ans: 11:16:08
